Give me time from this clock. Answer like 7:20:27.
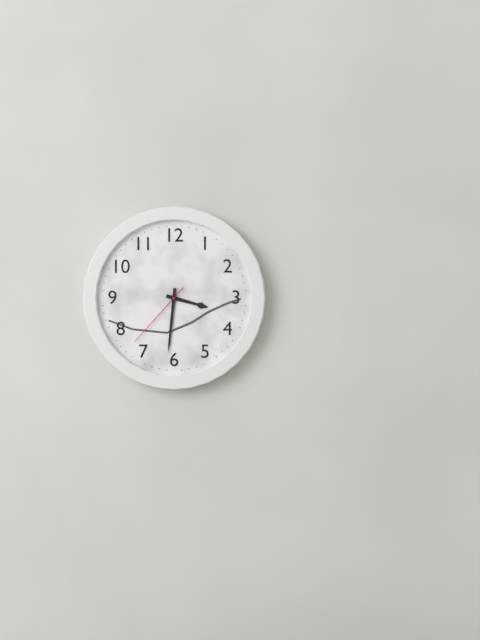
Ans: 3:31:37
